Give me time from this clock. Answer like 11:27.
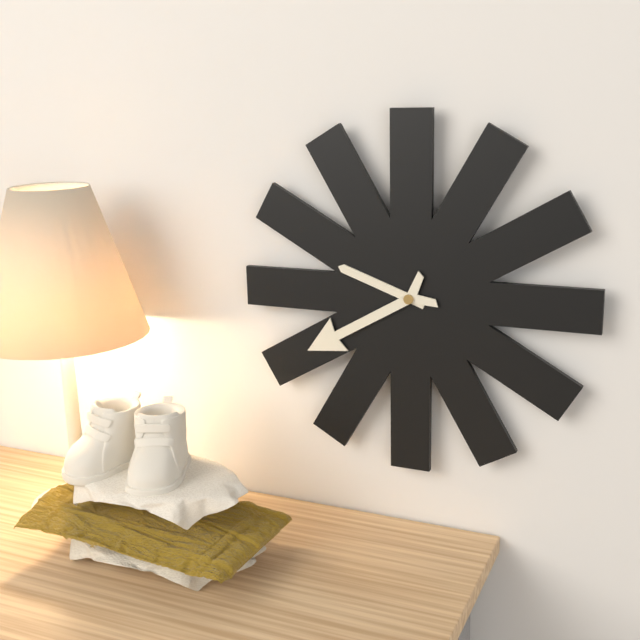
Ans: 9:40
